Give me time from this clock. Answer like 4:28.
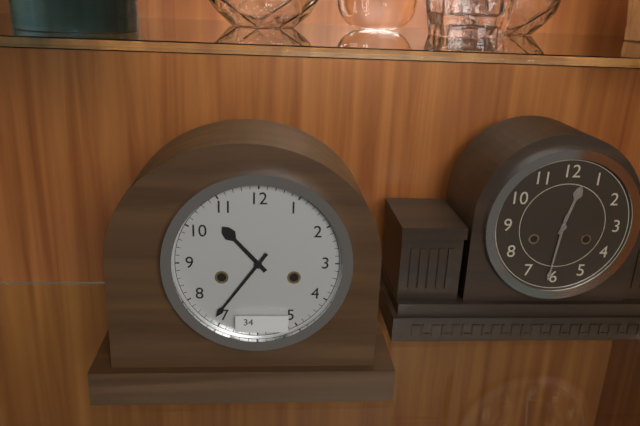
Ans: 10:36
